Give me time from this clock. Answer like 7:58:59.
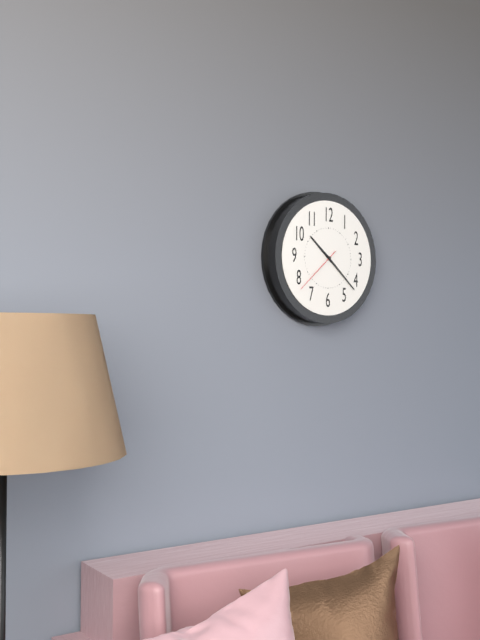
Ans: 10:22:38
